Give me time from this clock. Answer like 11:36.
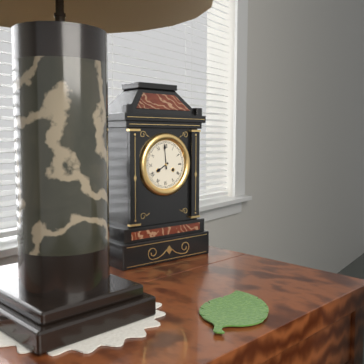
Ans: 7:59
